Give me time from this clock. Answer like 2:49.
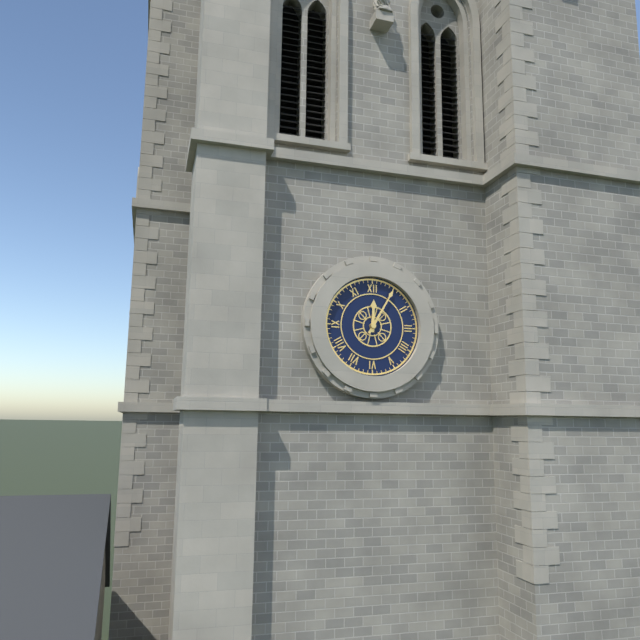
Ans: 12:05
